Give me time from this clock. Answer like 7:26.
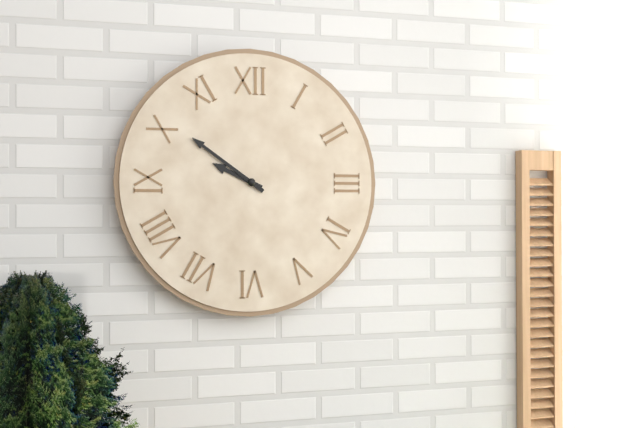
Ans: 9:51
